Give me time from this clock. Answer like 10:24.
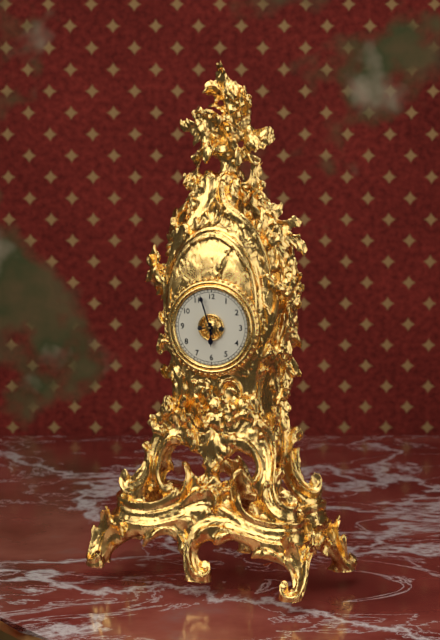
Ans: 5:57
